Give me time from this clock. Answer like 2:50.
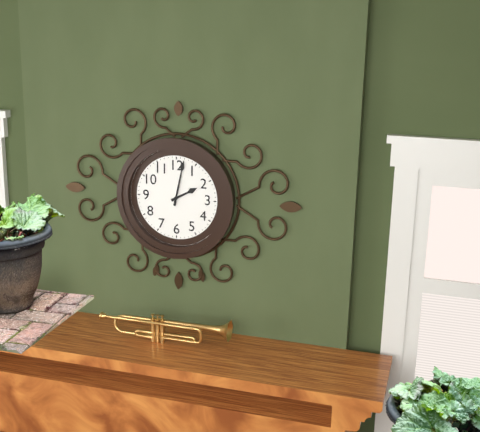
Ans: 2:02
